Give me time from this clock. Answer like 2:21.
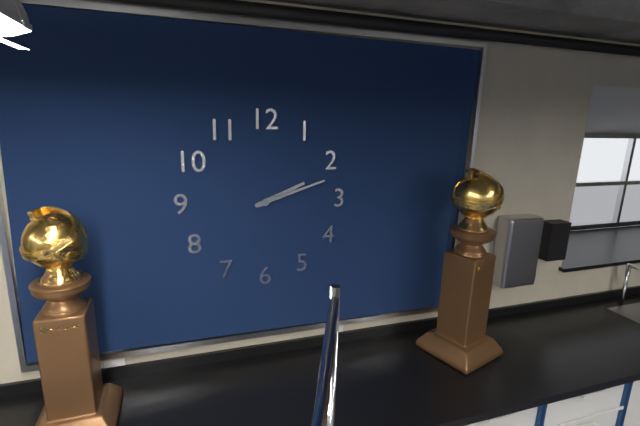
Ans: 2:12
